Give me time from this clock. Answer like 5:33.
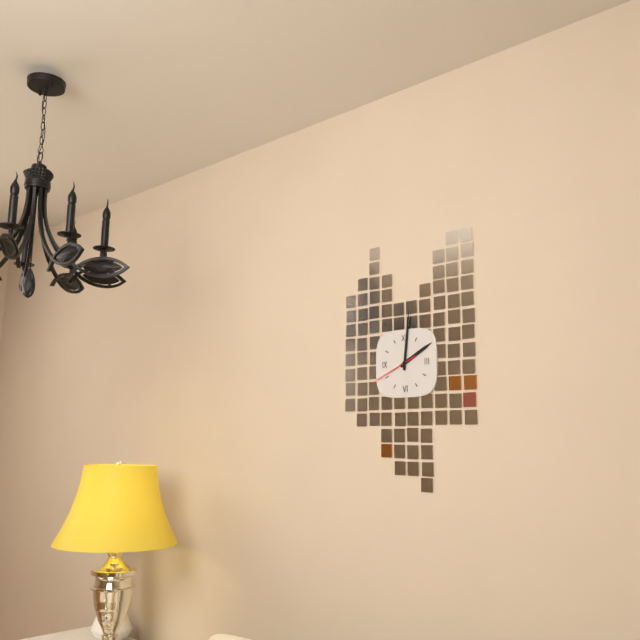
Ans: 2:01
